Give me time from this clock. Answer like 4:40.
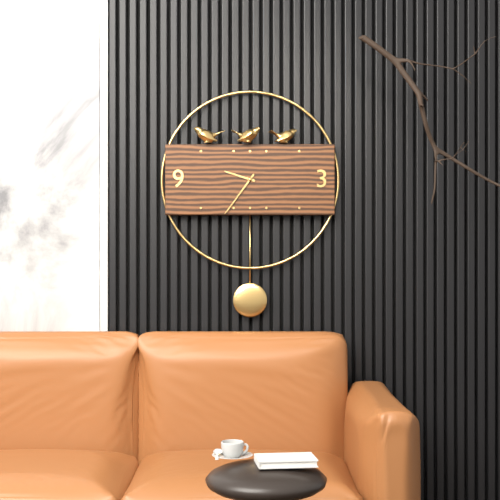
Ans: 9:36
